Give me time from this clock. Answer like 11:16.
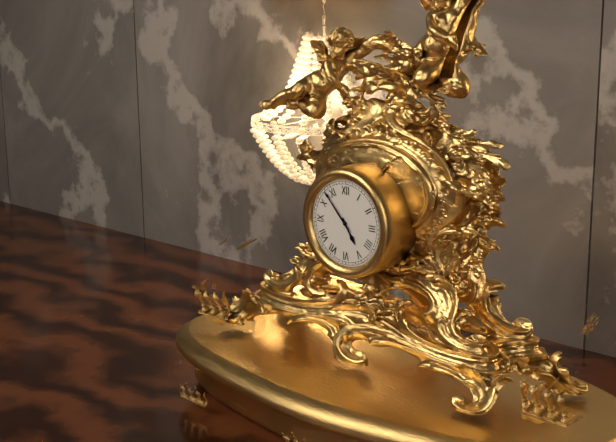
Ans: 4:53
